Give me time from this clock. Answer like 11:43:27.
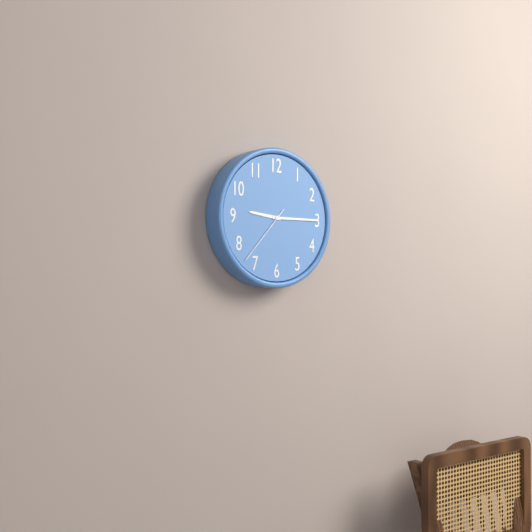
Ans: 9:15:37
